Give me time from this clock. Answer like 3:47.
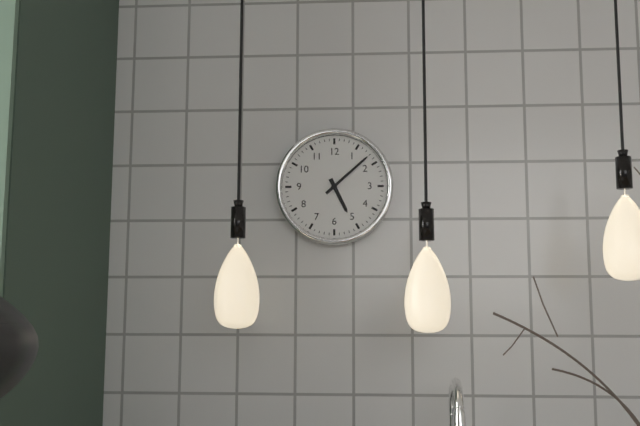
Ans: 5:08
